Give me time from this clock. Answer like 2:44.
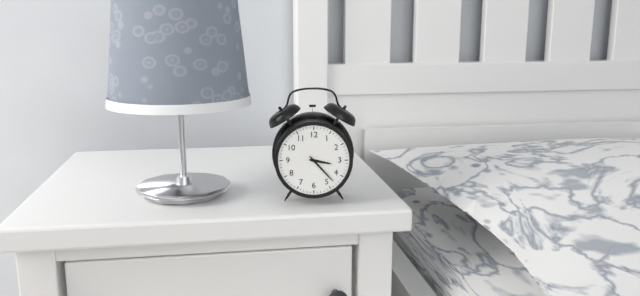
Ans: 3:23
